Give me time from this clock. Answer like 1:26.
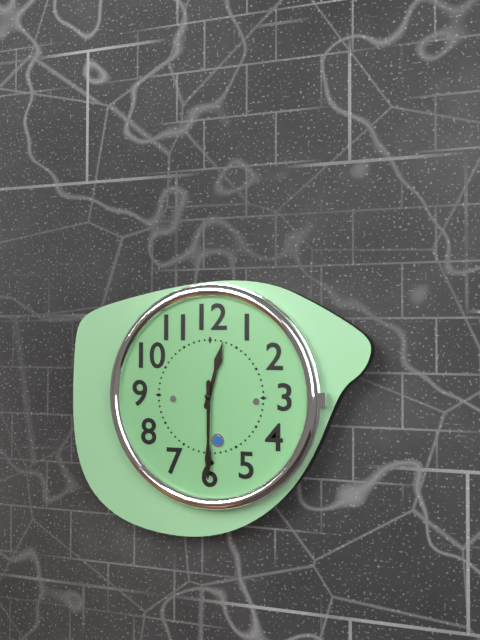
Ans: 12:30
